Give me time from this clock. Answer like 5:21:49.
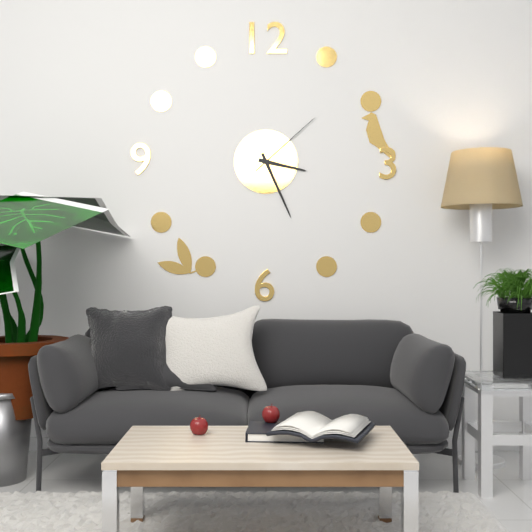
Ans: 3:26:08
